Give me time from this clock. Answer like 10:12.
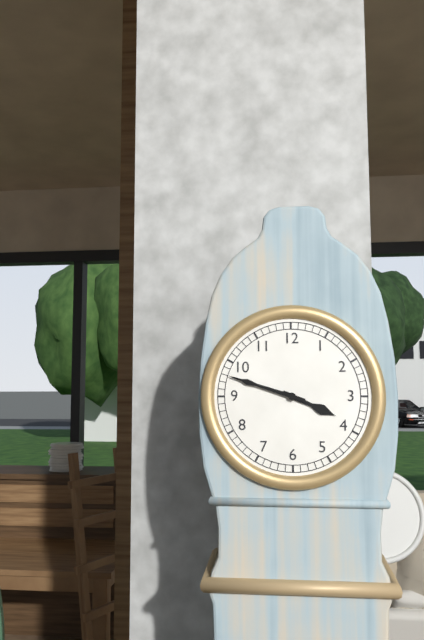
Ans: 3:48
